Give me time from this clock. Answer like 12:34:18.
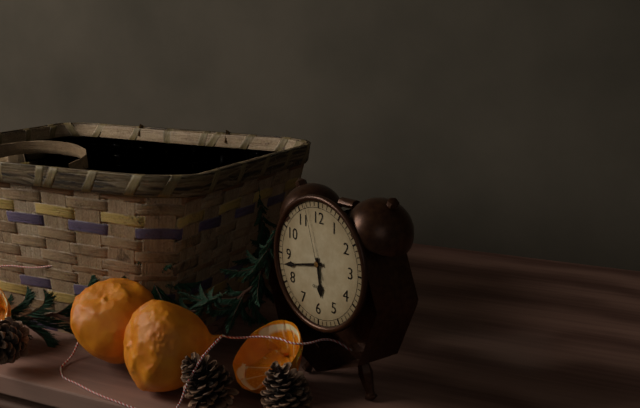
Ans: 5:43:57
